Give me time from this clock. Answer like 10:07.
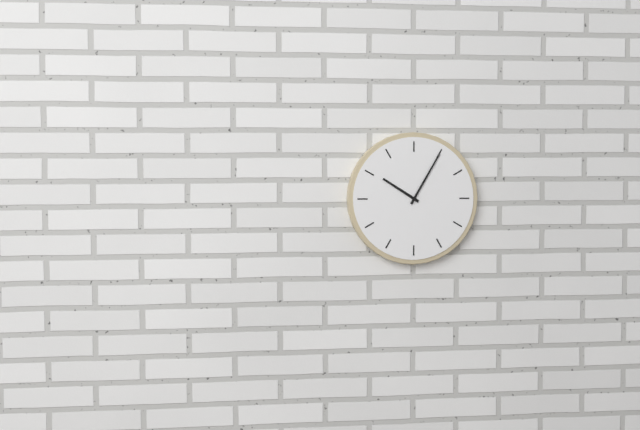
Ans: 10:05
